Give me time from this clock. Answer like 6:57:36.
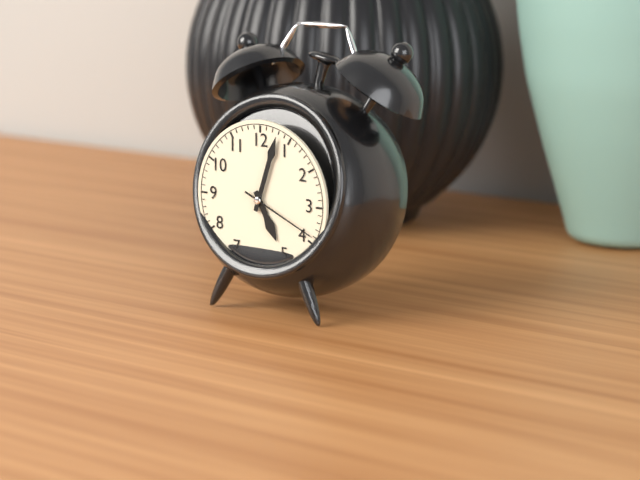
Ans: 5:03:19
